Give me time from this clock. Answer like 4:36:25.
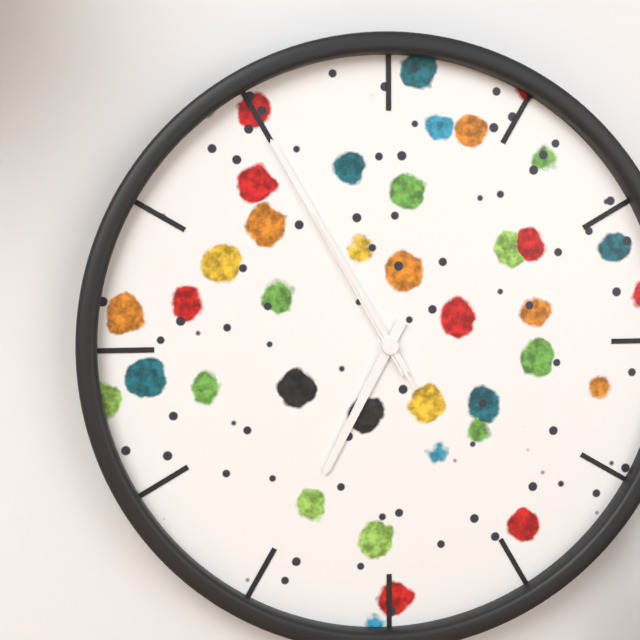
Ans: 6:55:55
